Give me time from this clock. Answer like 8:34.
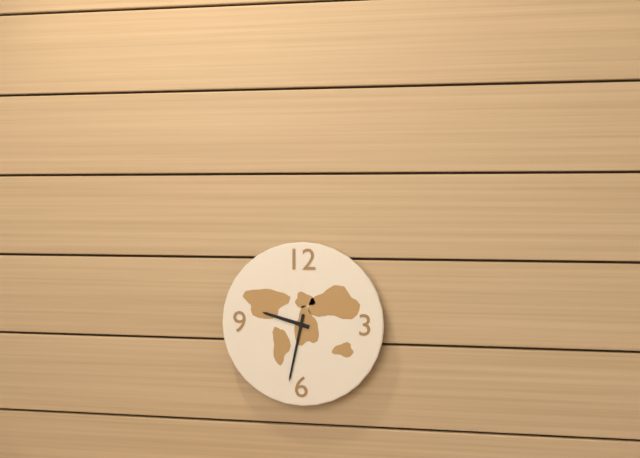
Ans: 9:32
